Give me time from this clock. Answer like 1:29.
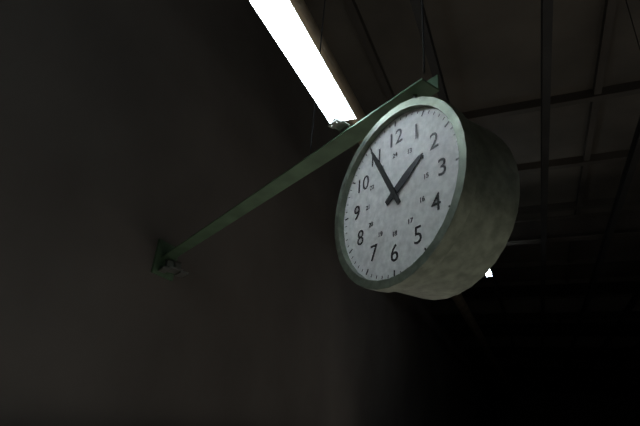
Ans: 1:55
